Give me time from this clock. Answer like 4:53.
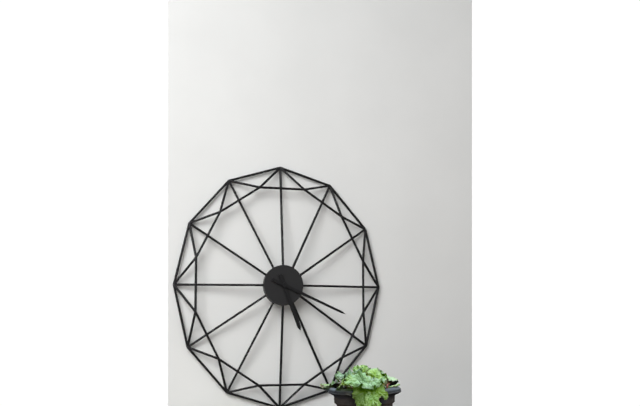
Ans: 5:19
